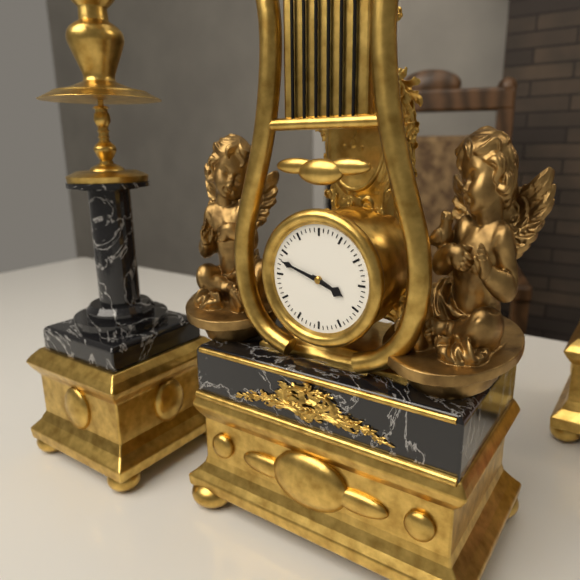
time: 3:48
